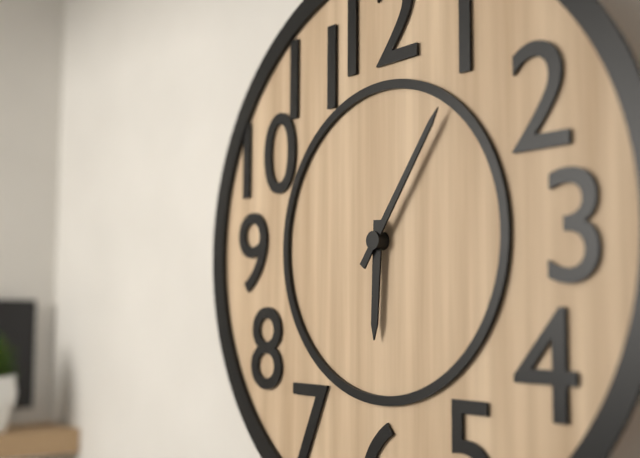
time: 6:06
